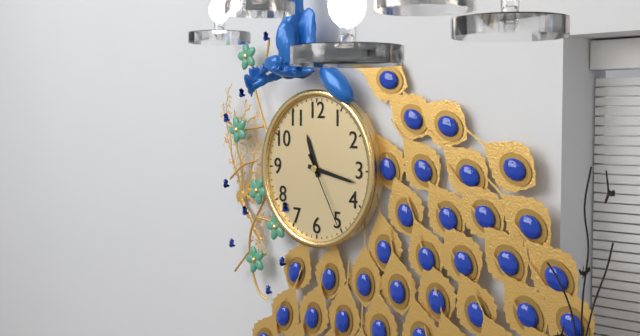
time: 11:17:25
